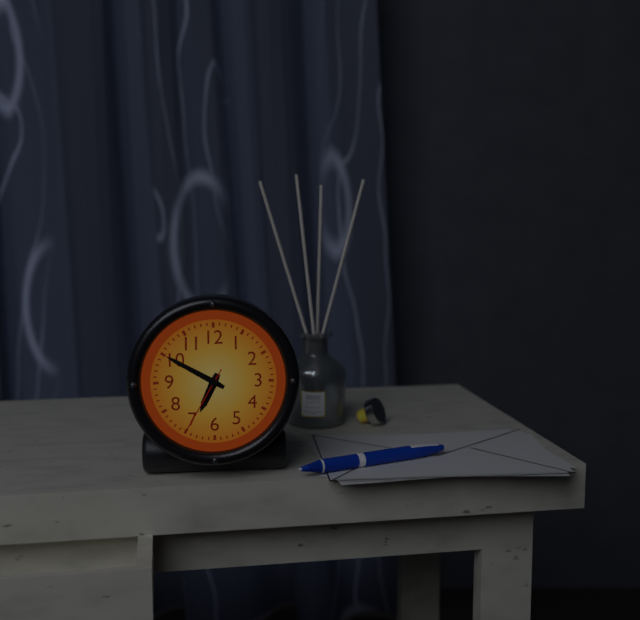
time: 6:50:35
